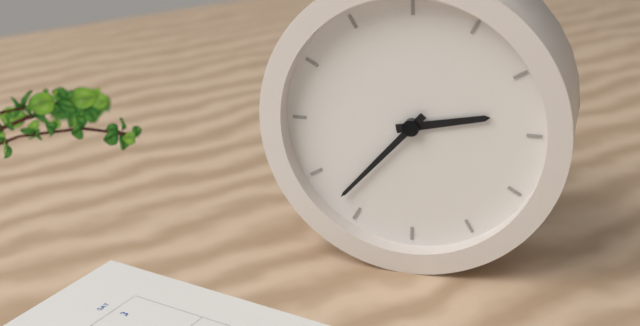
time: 2:37
